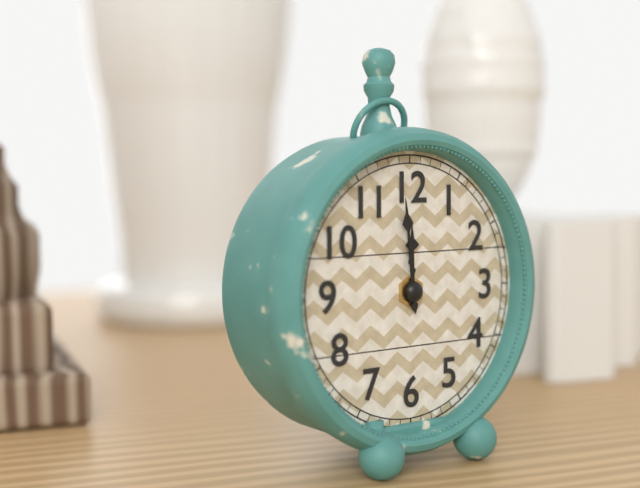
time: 11:59
